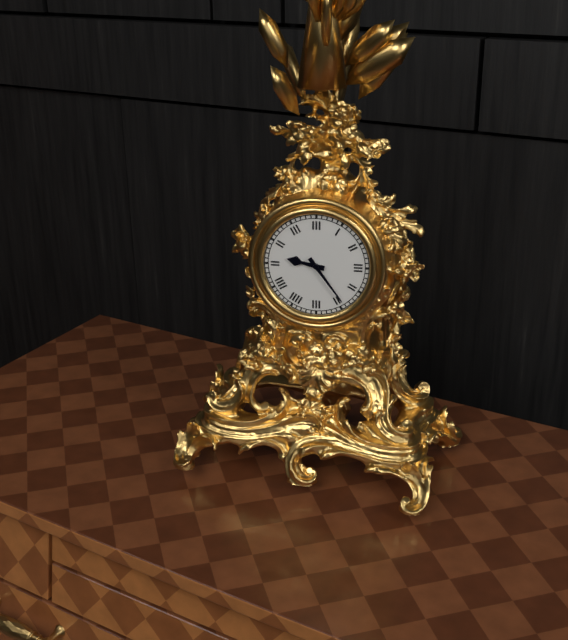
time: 9:24
